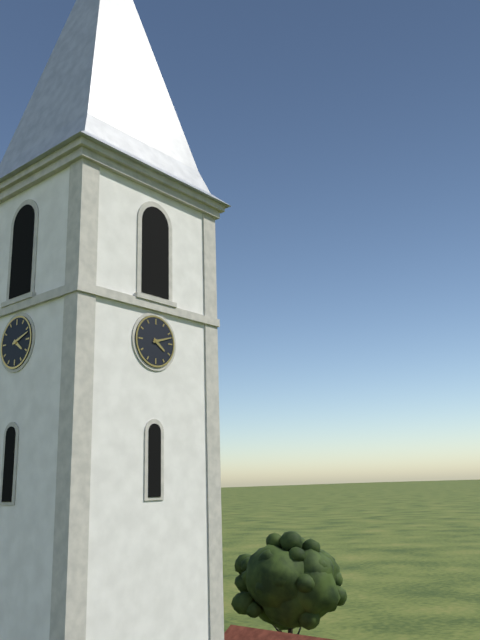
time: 4:12
